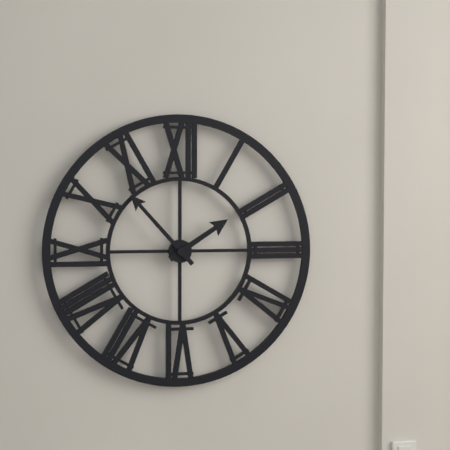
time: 1:53
